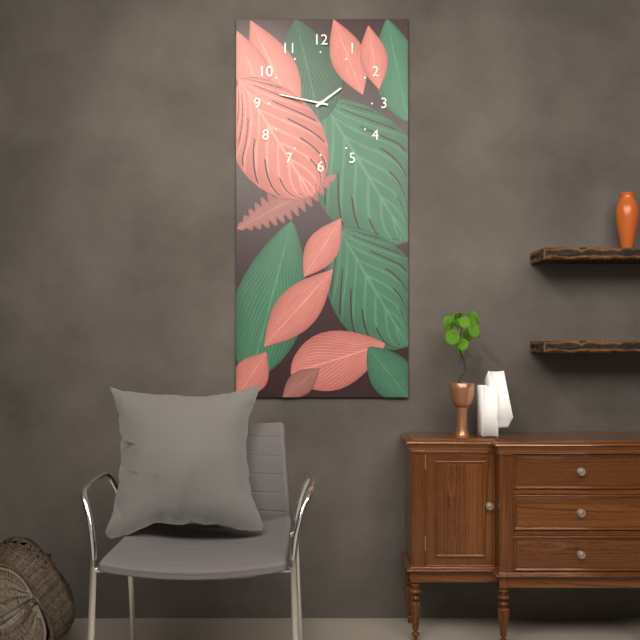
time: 1:47
